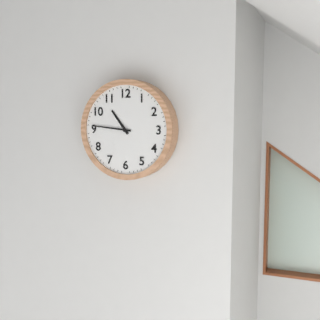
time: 10:46
